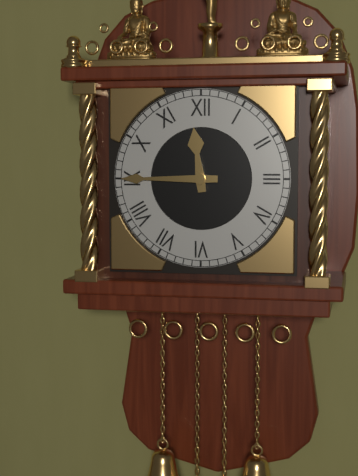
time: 11:45
